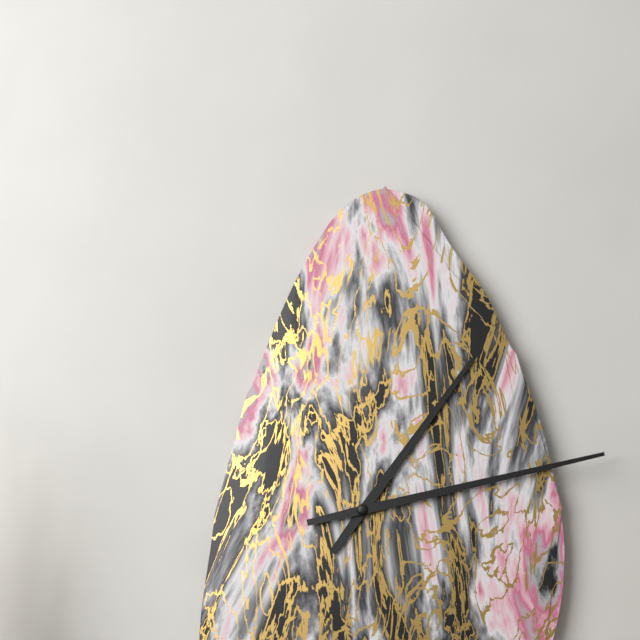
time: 1:13
